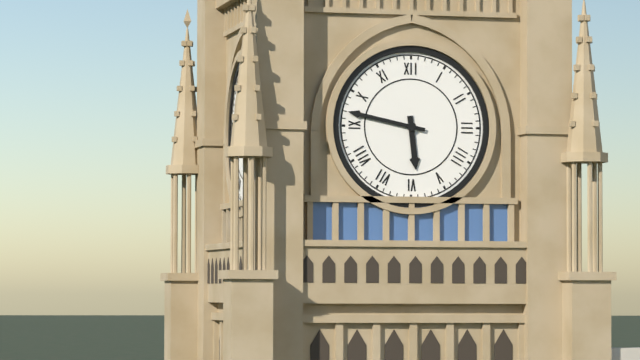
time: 5:47
